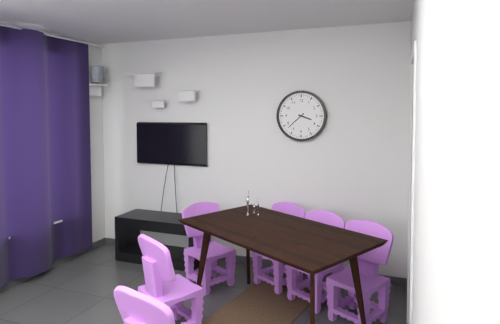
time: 3:38
